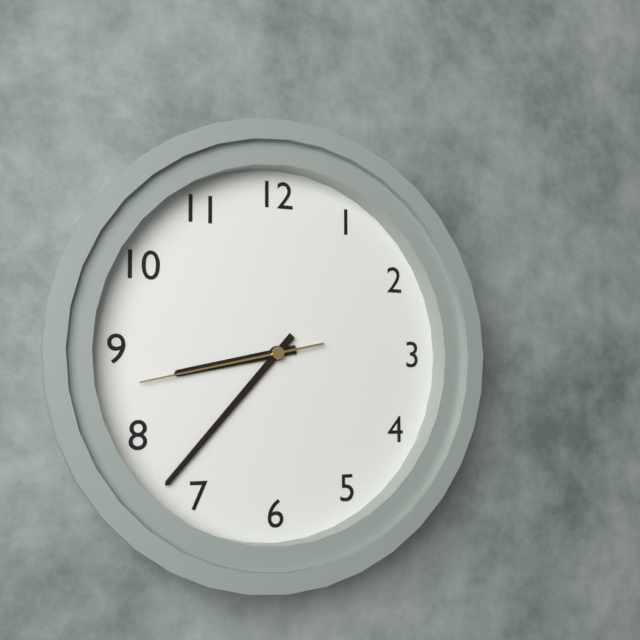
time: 8:37:43
